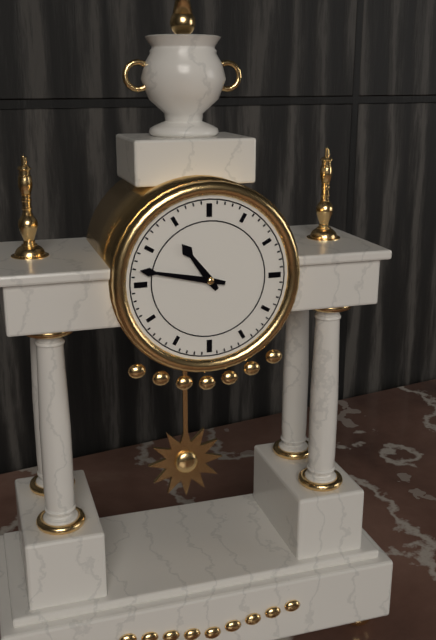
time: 10:47
